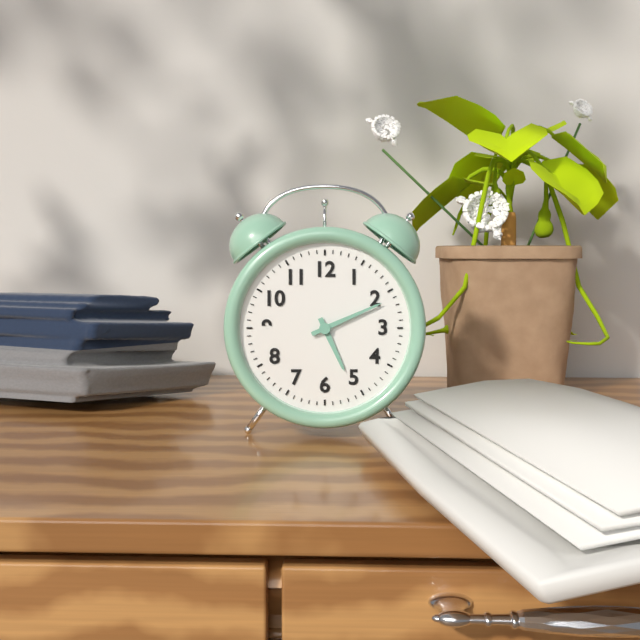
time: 5:11
